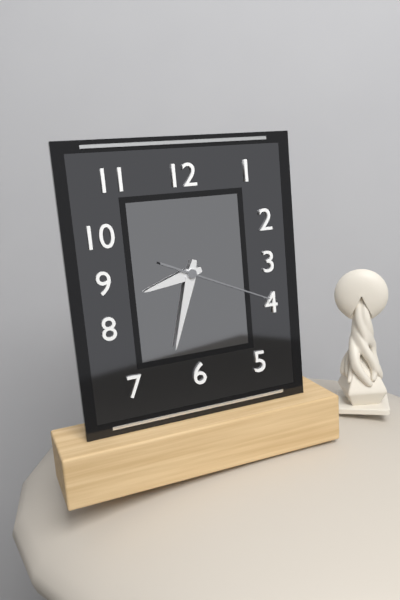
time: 8:33:19
